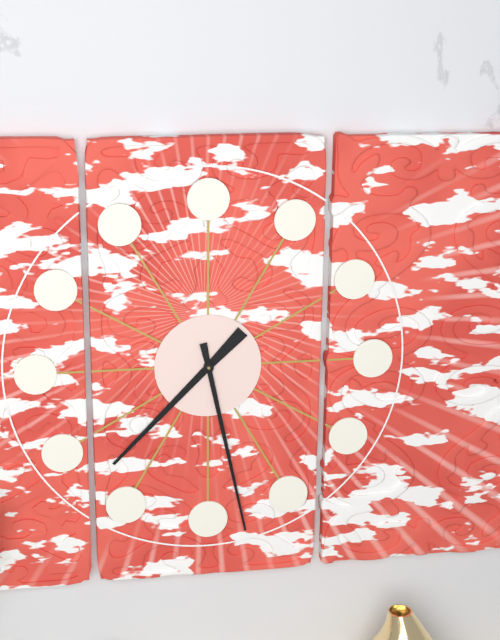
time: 7:28
